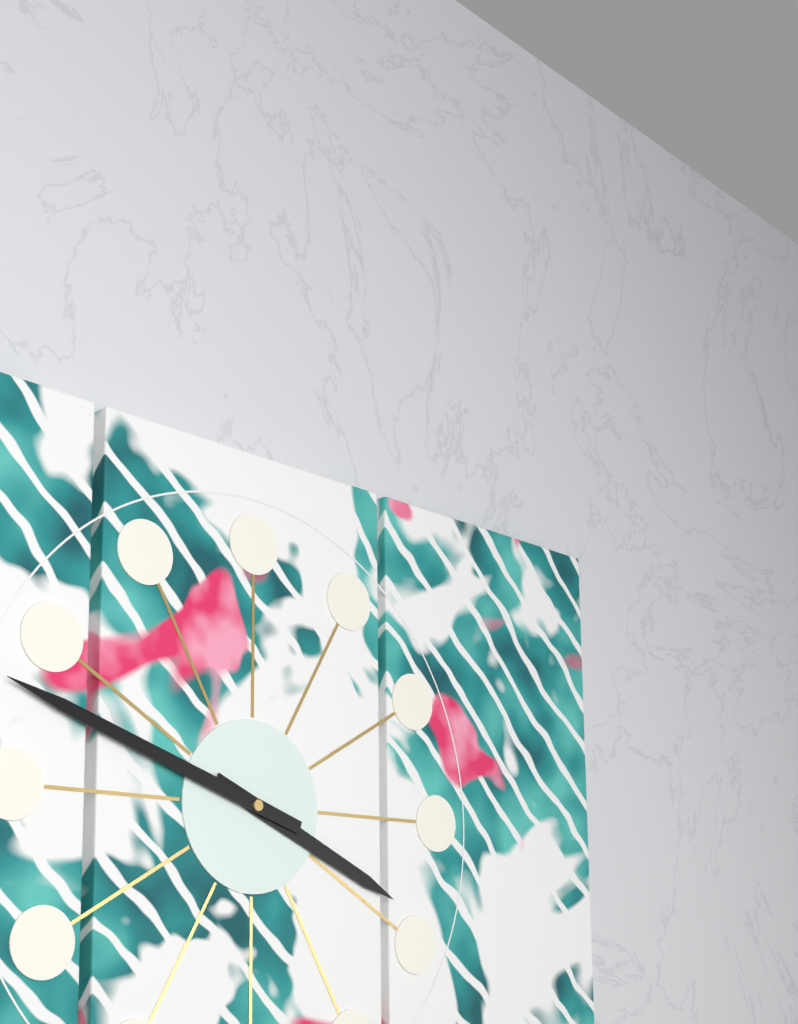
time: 3:48
